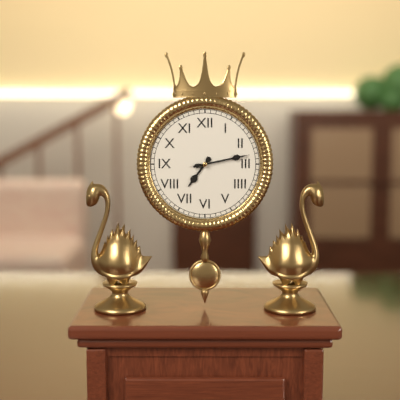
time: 7:13:13
